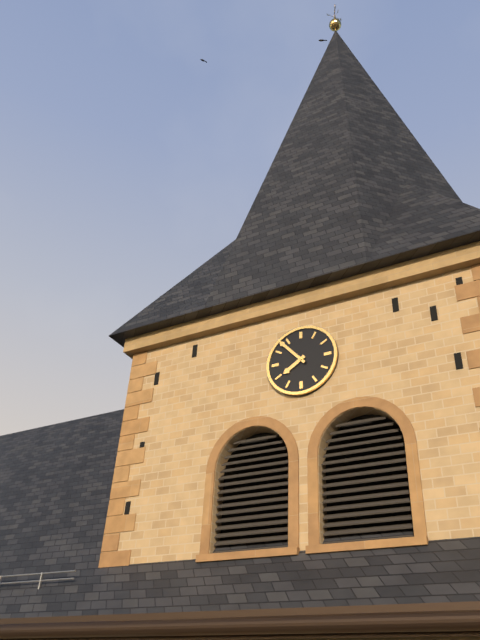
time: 7:53
